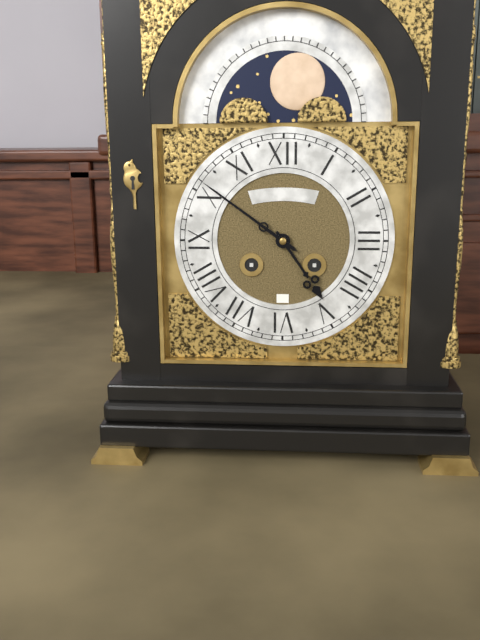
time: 4:51
